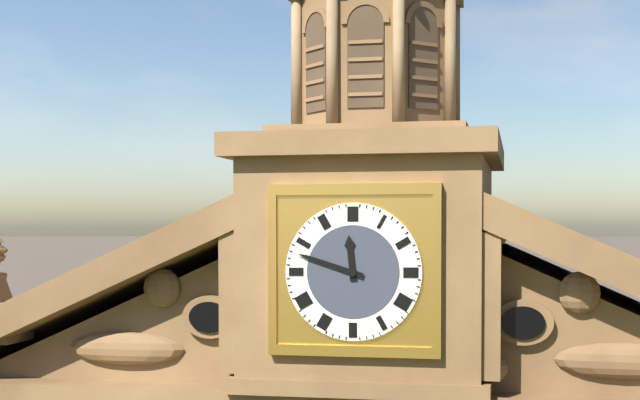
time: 11:48
